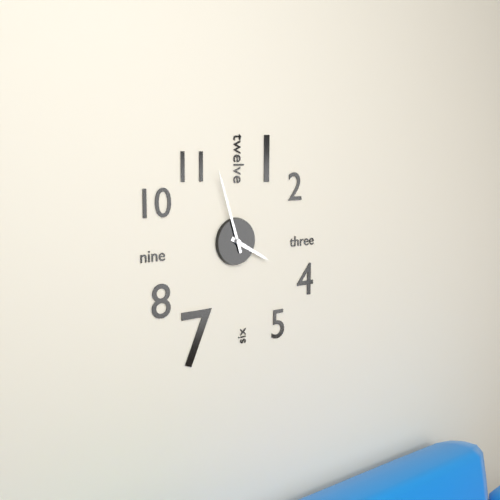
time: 3:57
